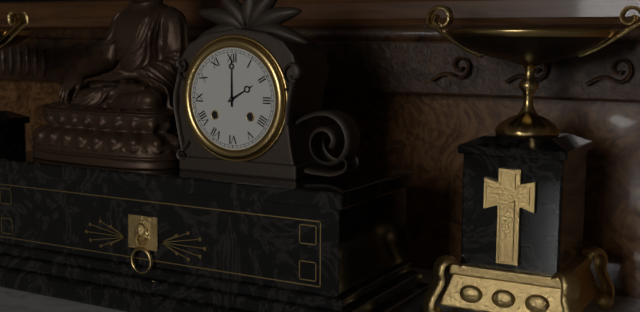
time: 2:00
